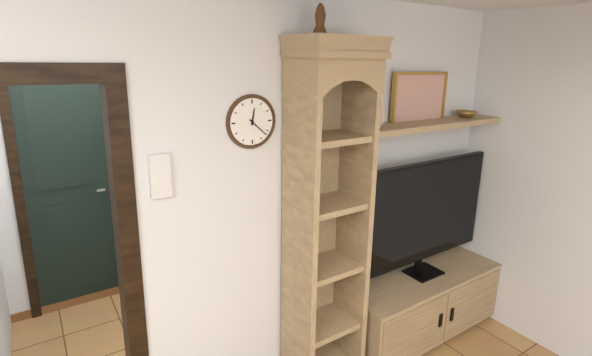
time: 12:22
